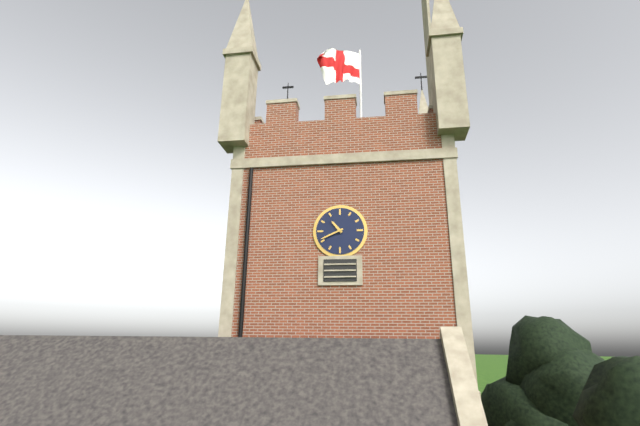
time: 10:41
